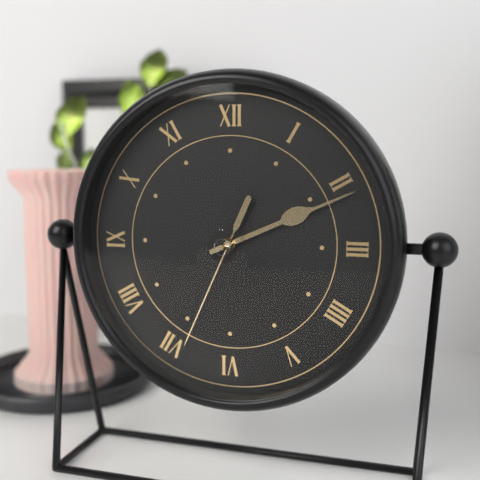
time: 2:11:34
